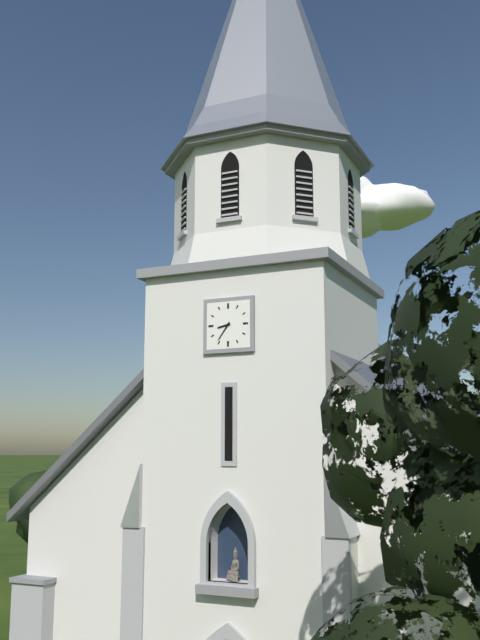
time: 8:36
